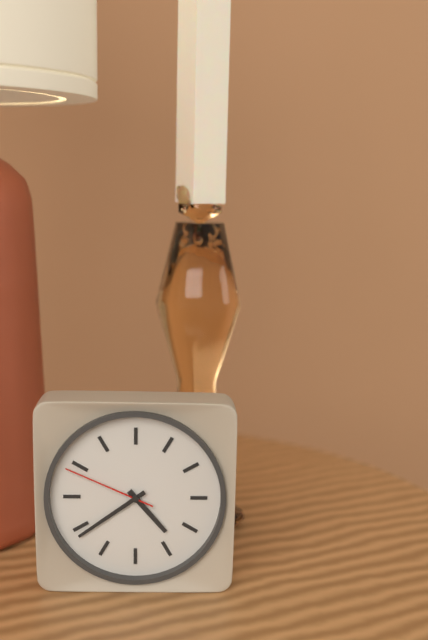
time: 4:39:49
